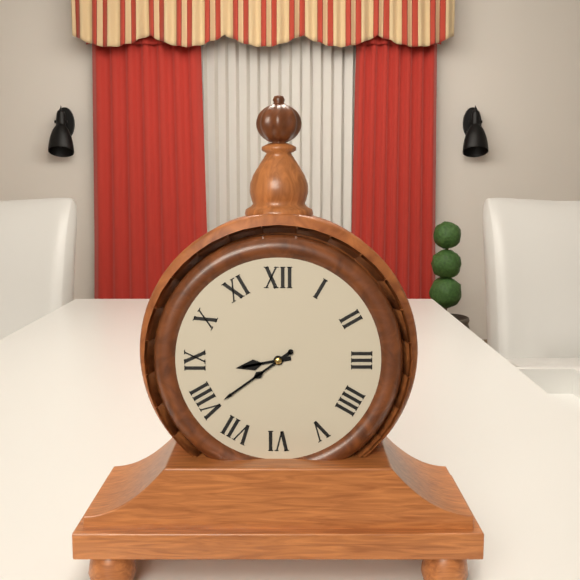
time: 8:39
